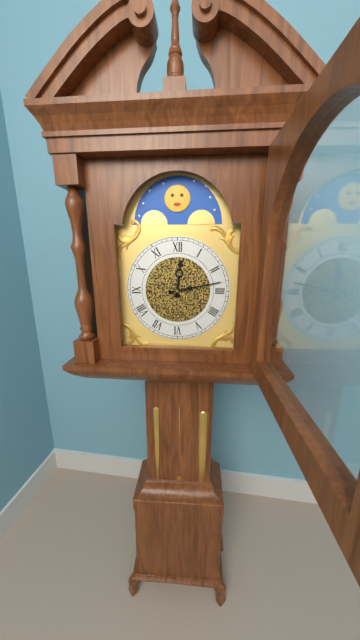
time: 12:13
